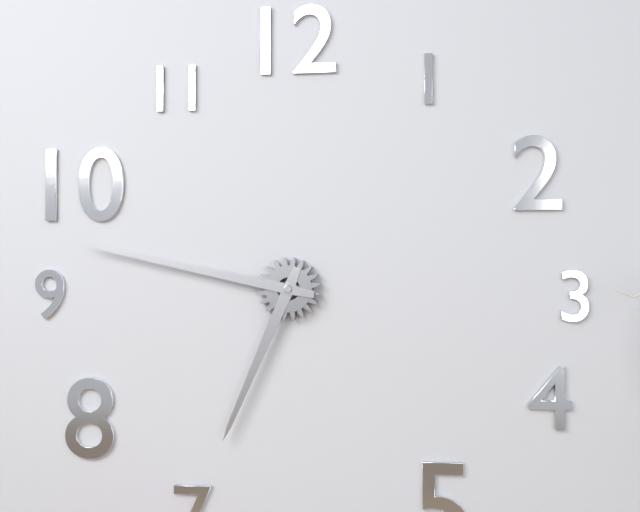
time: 6:47
